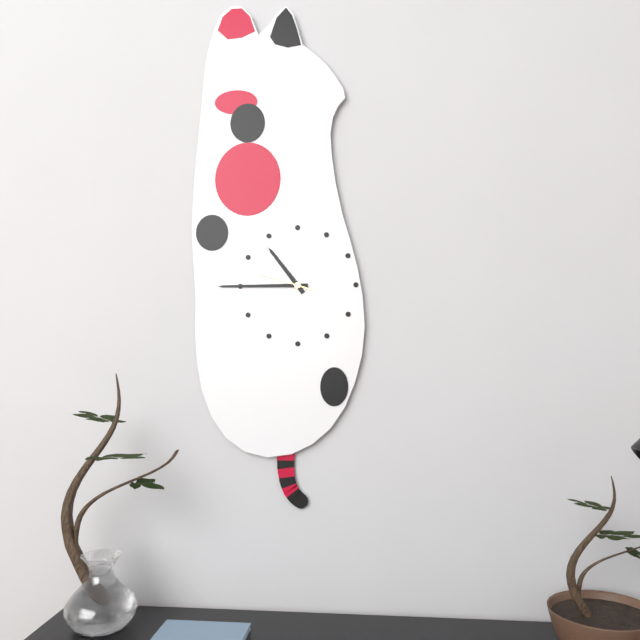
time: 10:45:48
